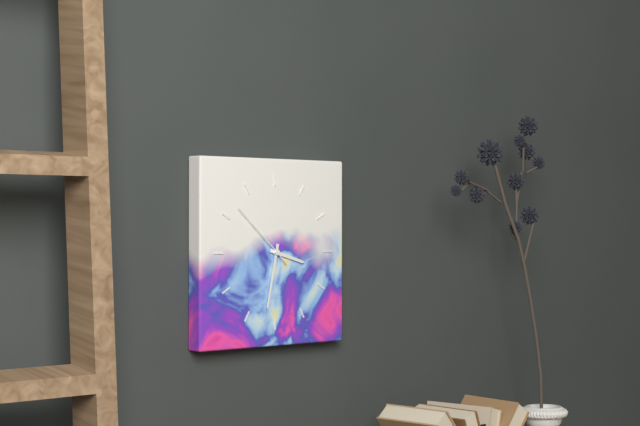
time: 3:32:52
